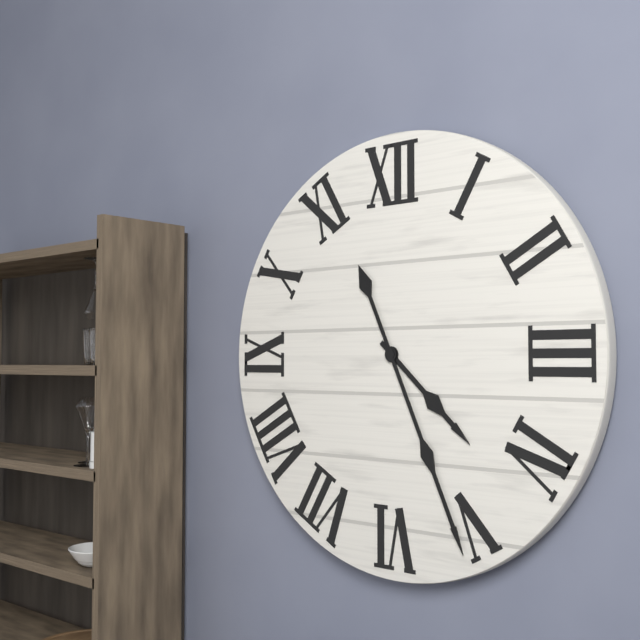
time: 4:26
